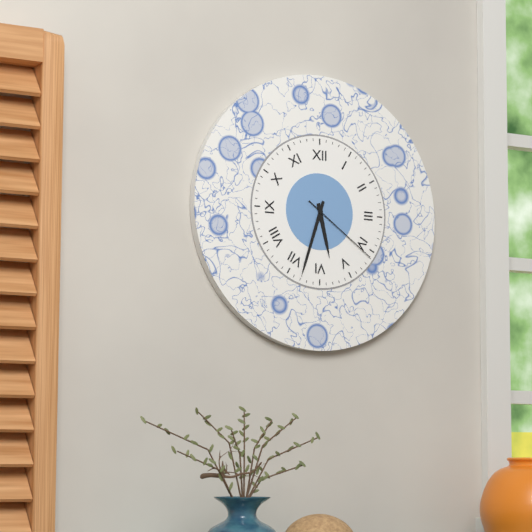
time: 5:33:21
